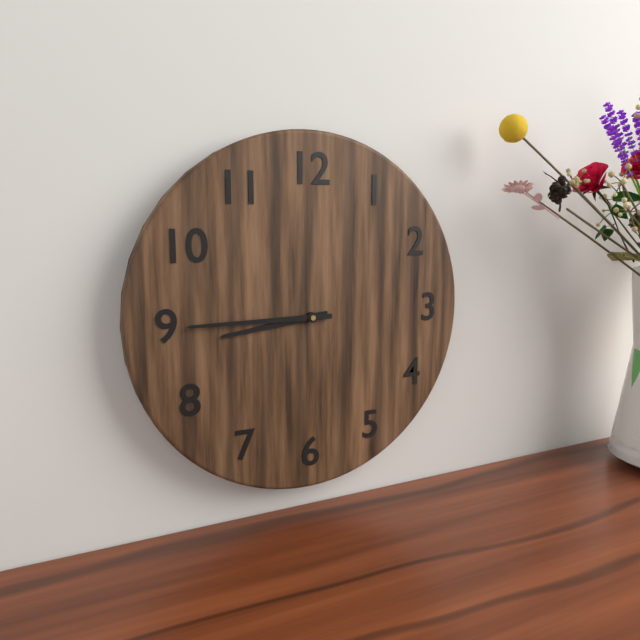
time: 8:45
